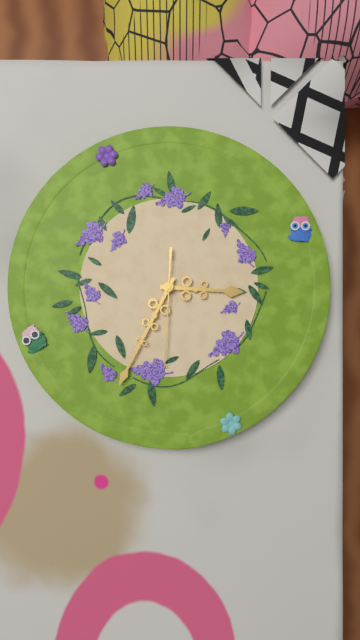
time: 3:37:33
